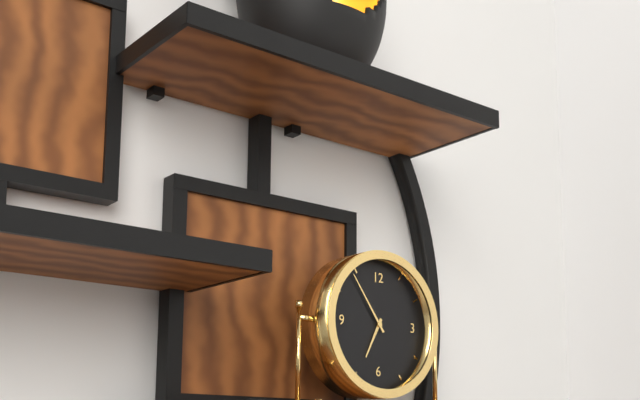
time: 6:54
